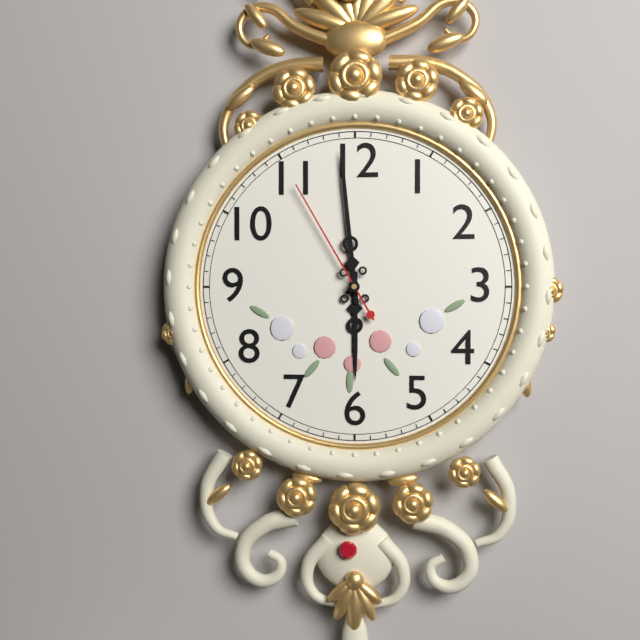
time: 5:59:55
